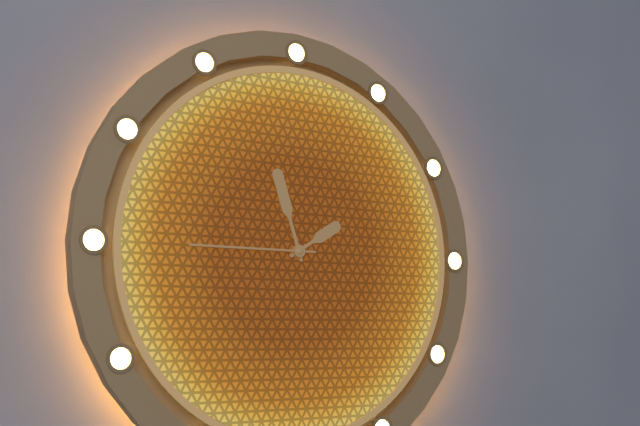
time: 1:57:45
